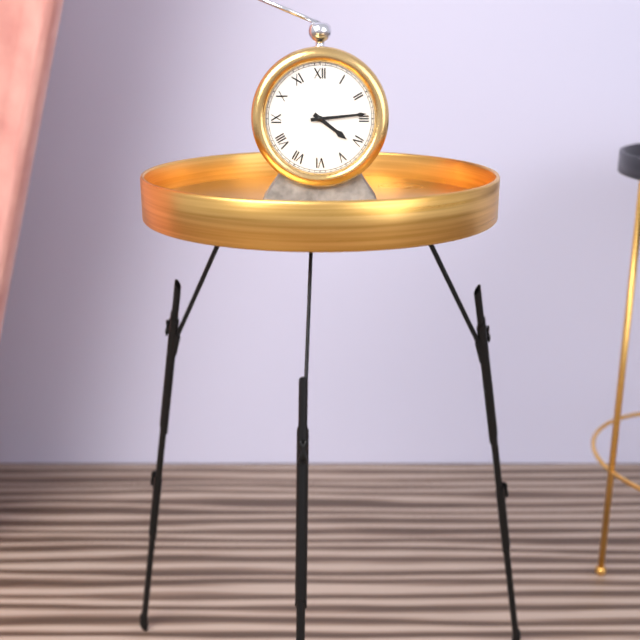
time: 4:14
